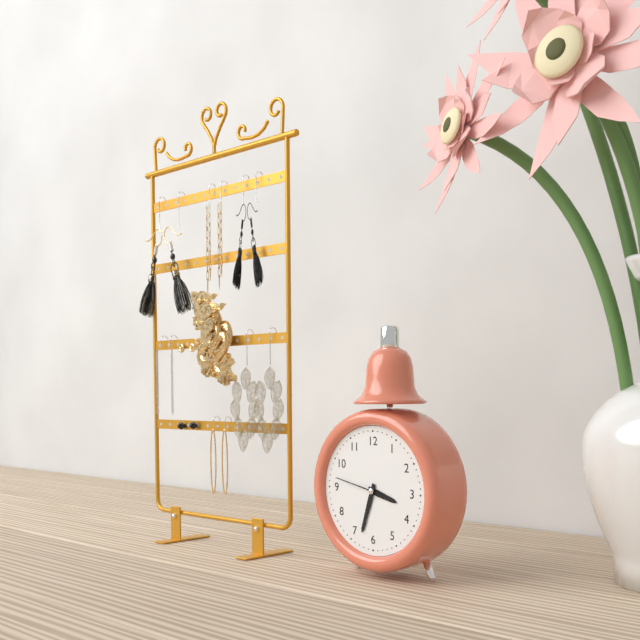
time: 3:33
